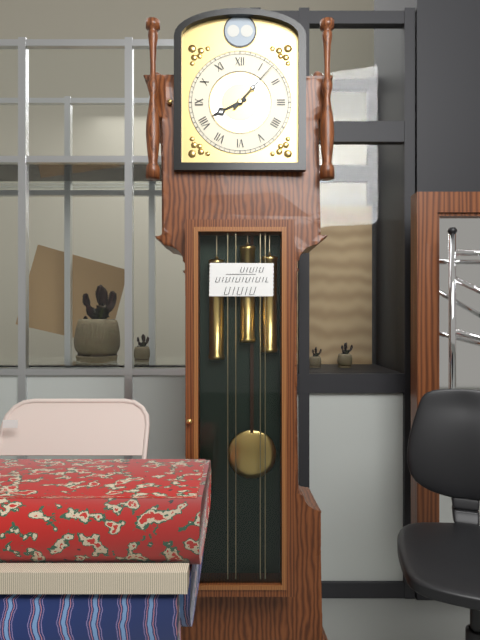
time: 8:07
